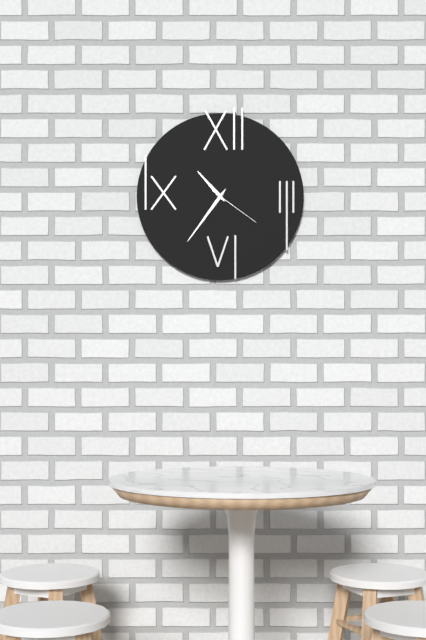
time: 10:36:21
